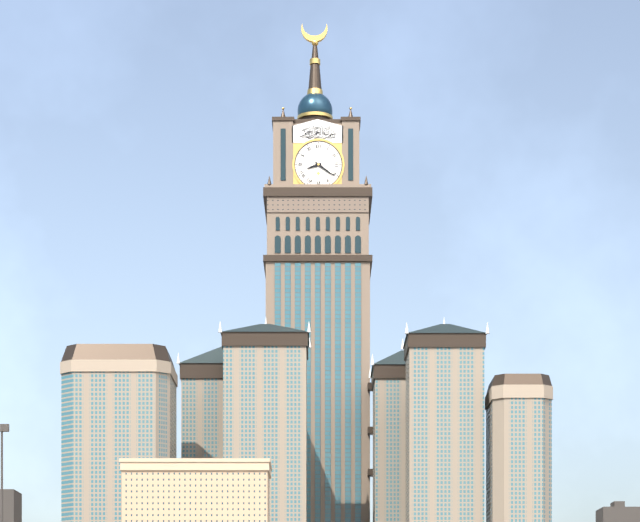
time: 8:21
